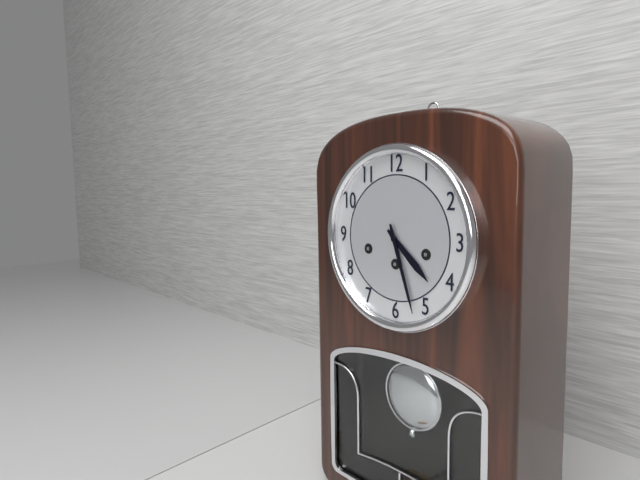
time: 4:27
